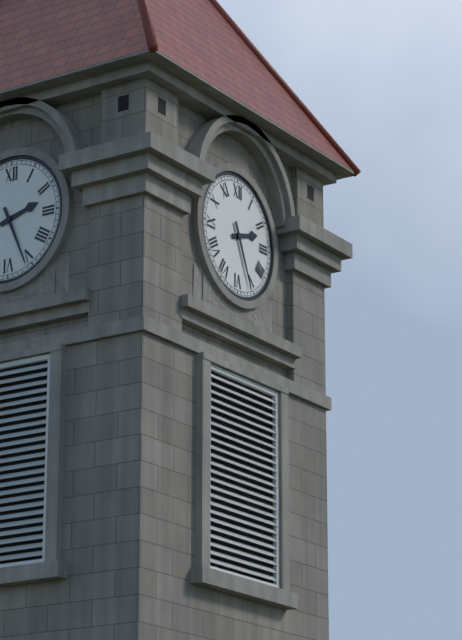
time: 2:26
